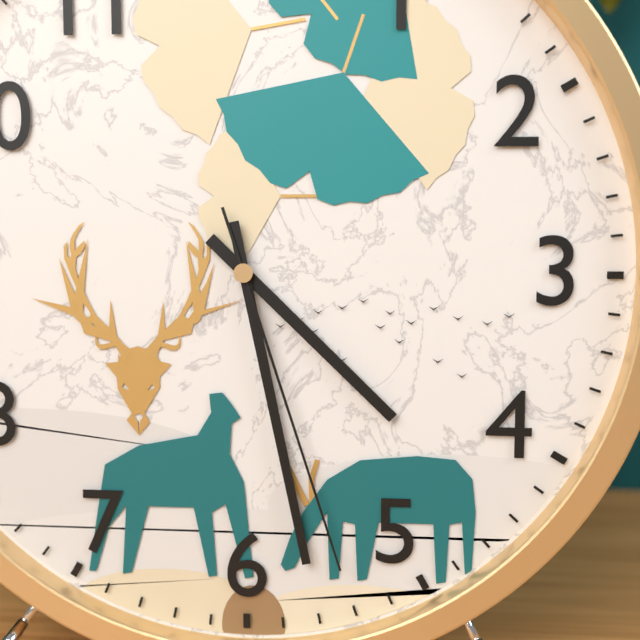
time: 4:28:27
